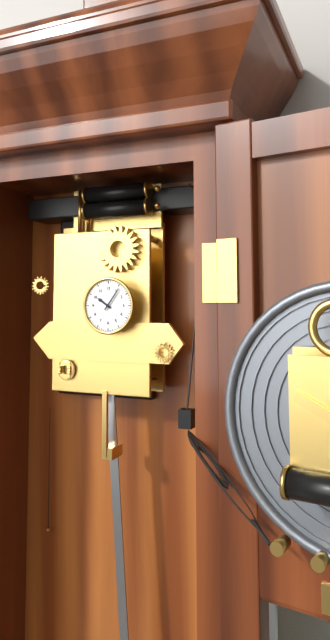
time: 10:06
